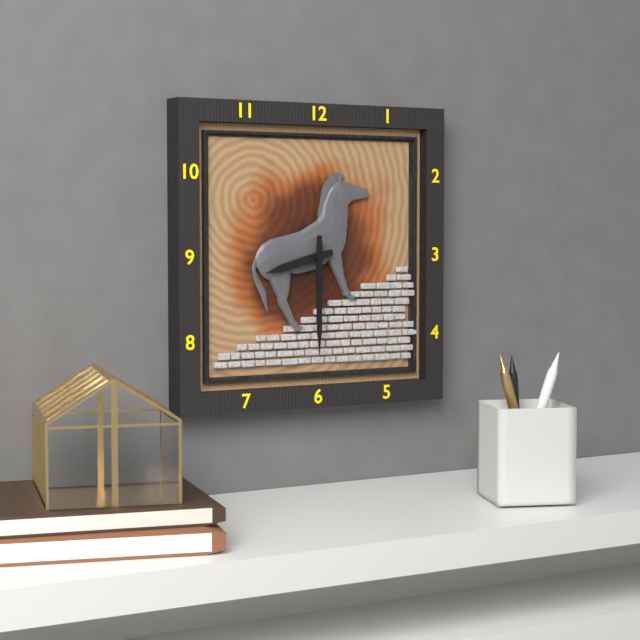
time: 8:30
